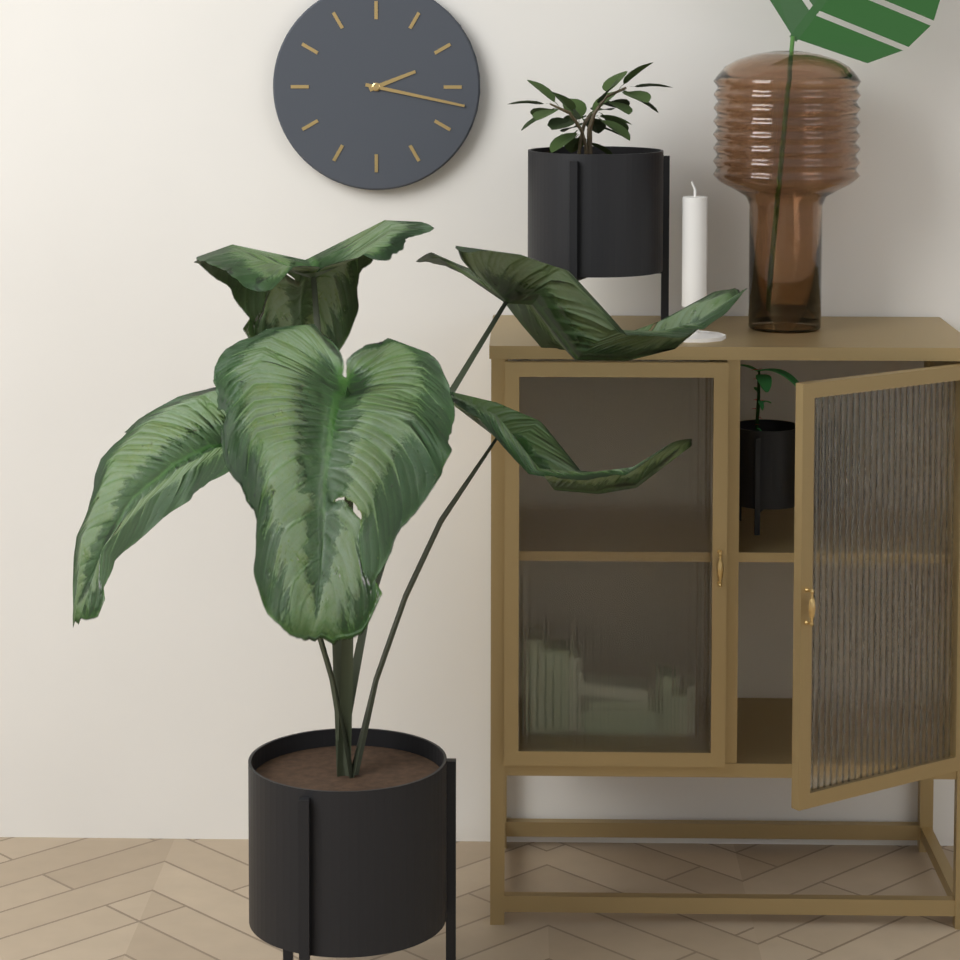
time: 2:17
